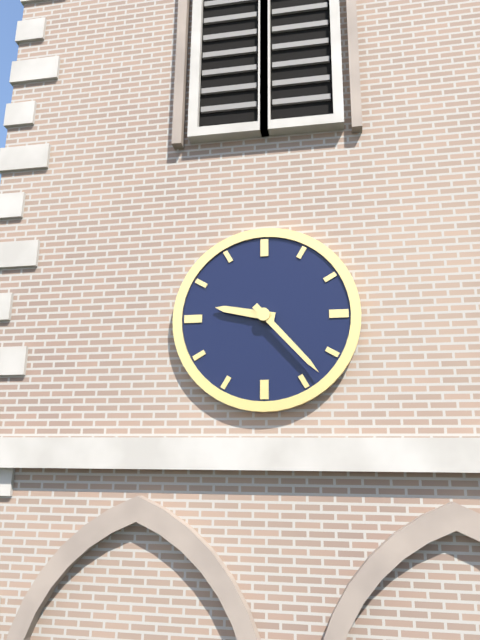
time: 9:23
